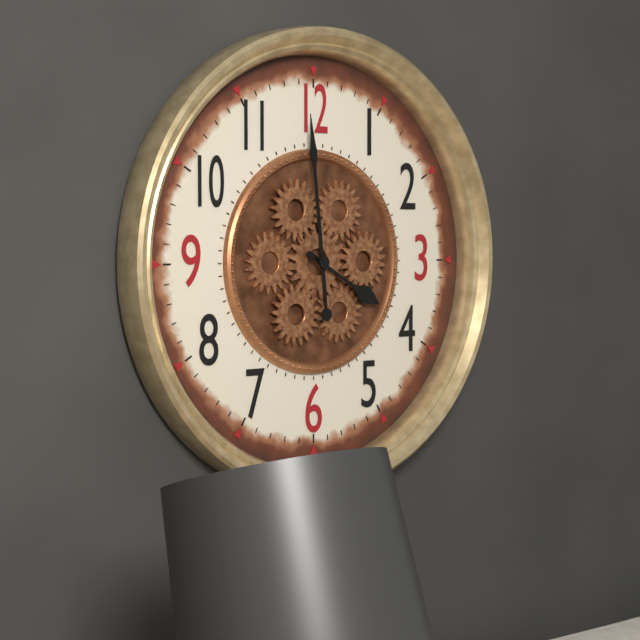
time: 3:59
